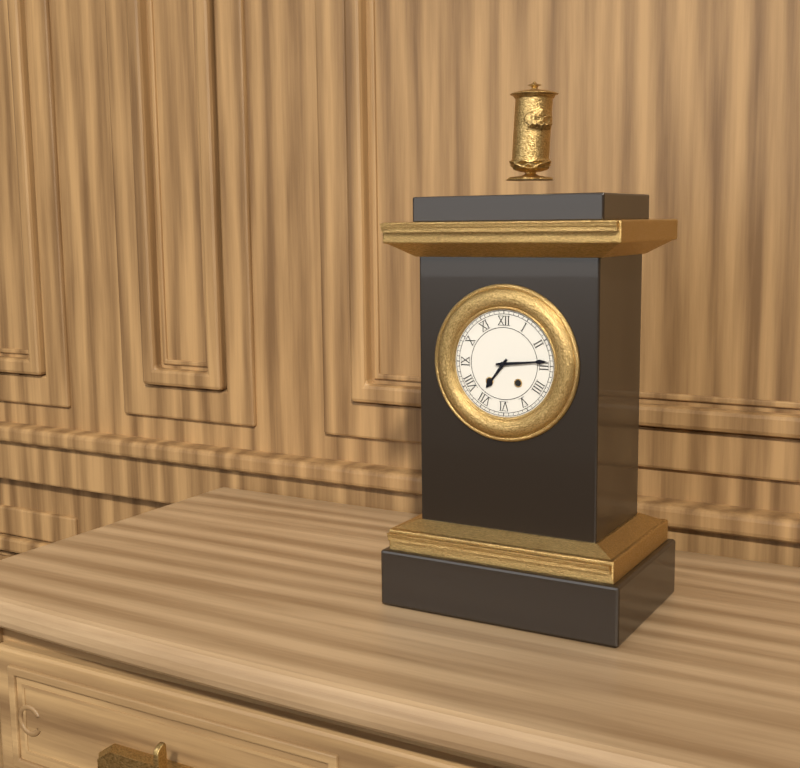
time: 7:14
